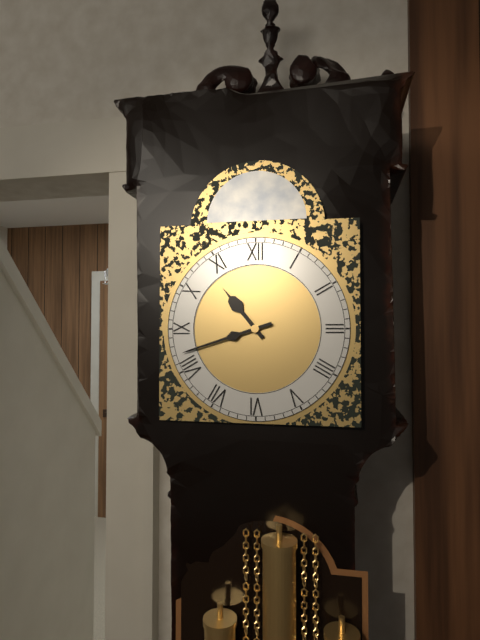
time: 10:42
